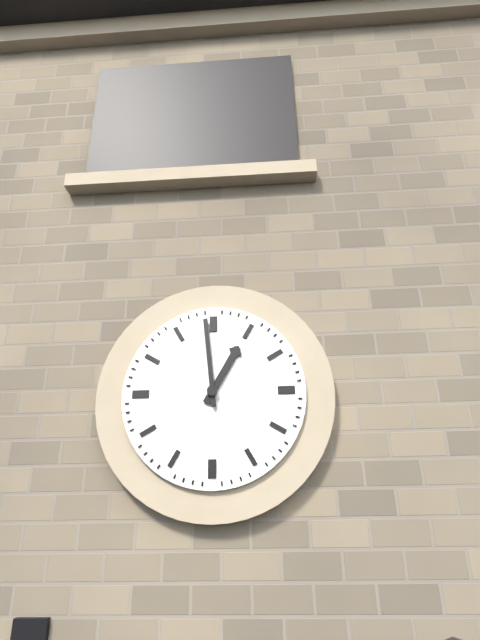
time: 12:59
